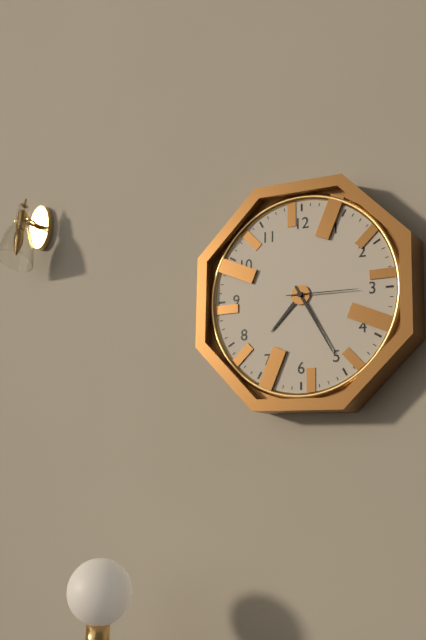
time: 7:25:15
